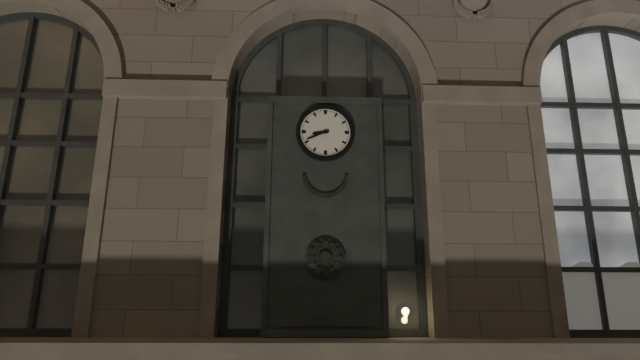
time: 8:41
